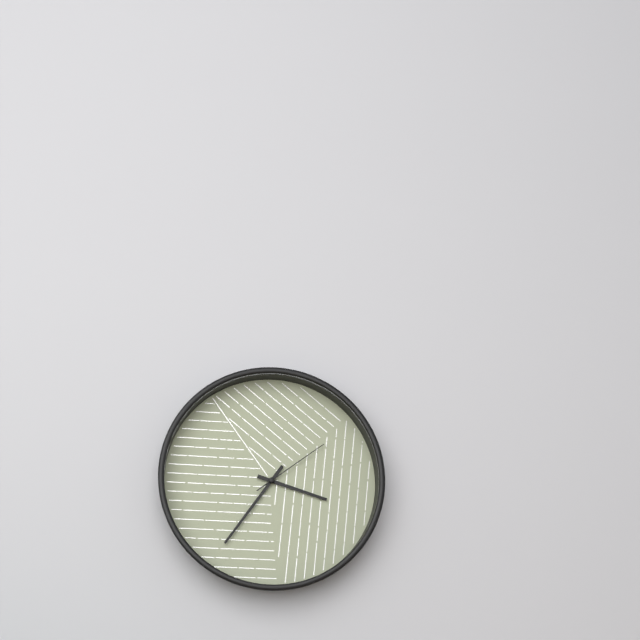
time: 3:36:09
